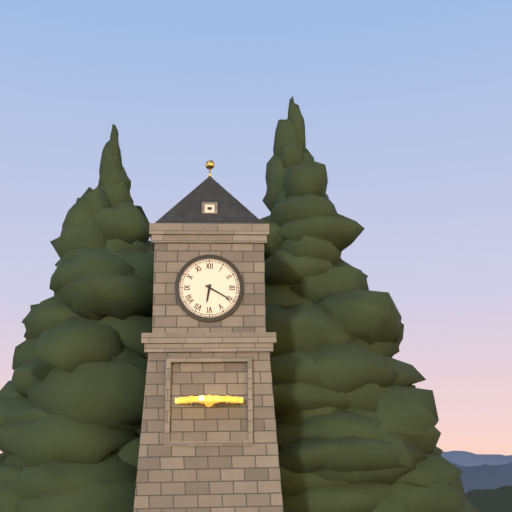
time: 6:20
